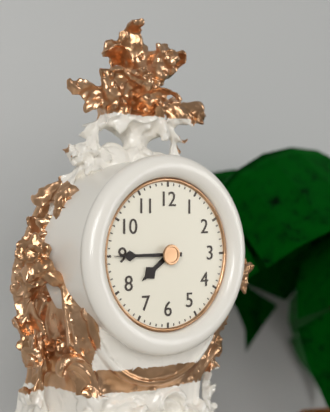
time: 7:45
